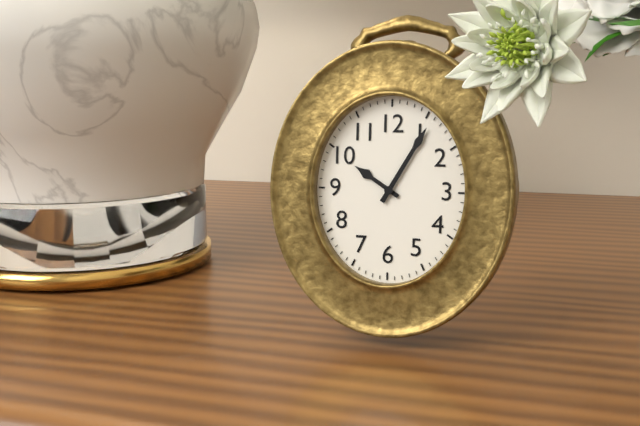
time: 10:05
